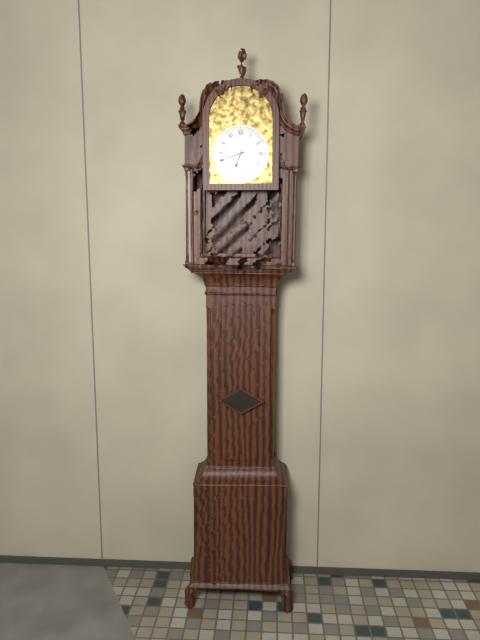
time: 6:42
